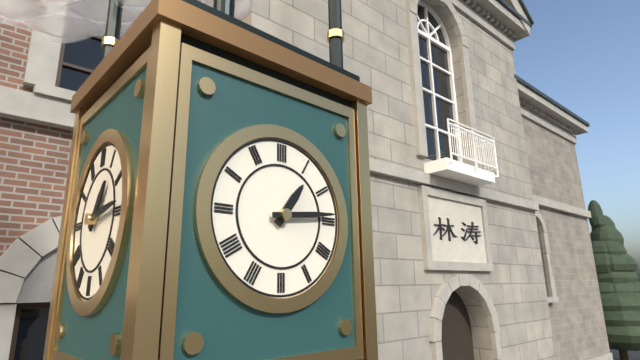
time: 1:14
